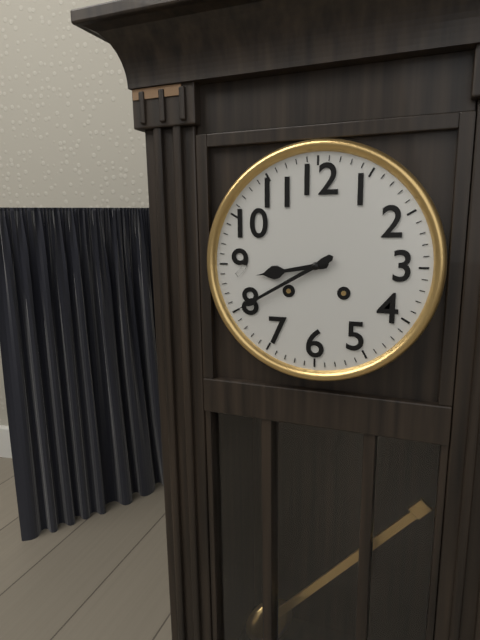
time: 8:40
